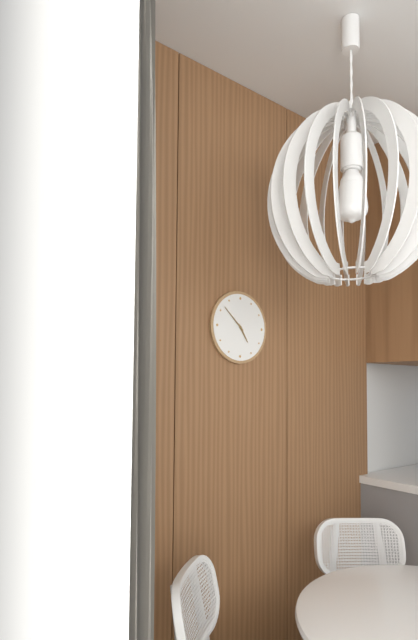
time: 4:52
